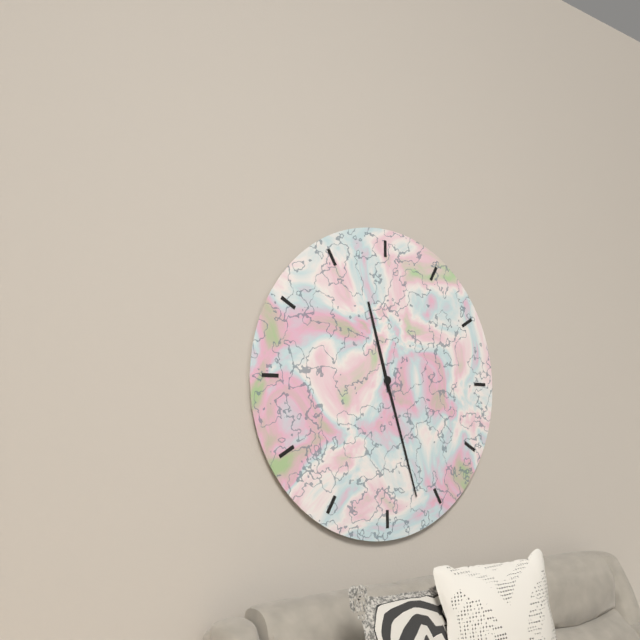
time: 11:27
